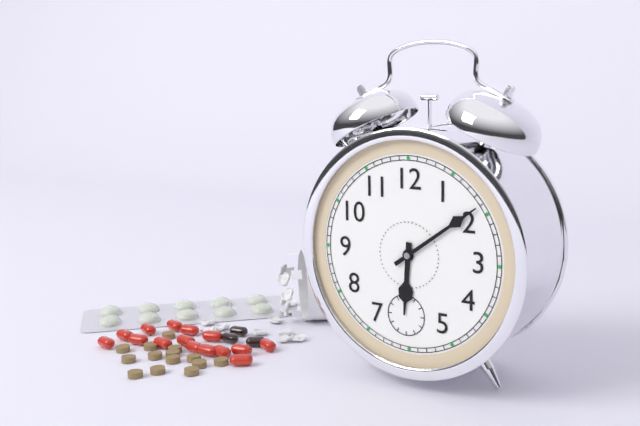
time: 6:09
